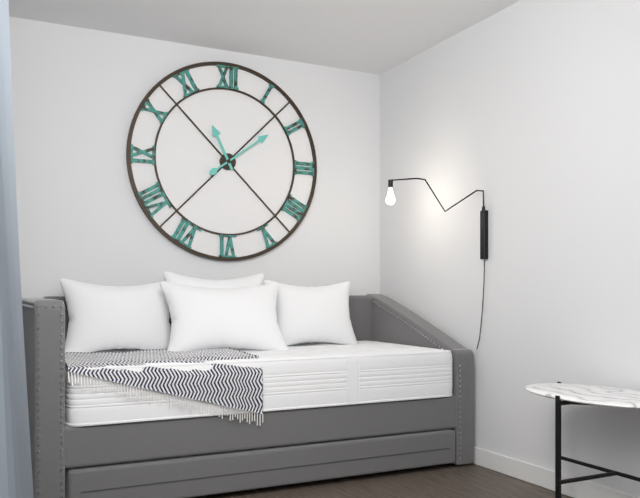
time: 11:09
